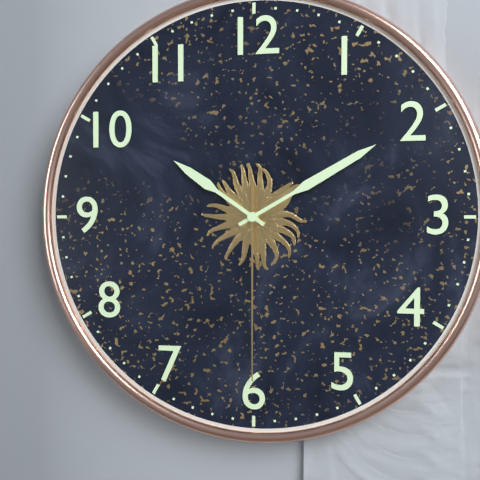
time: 10:10:30
